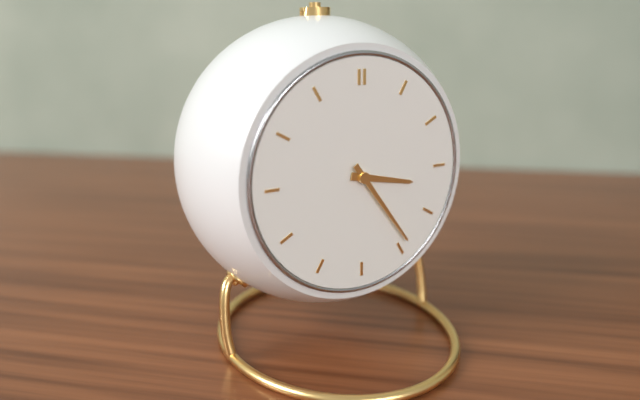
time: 3:24
